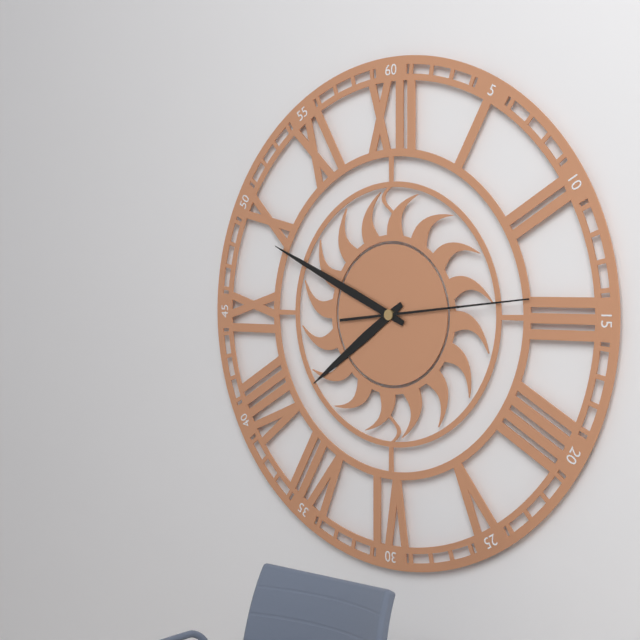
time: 7:49:14
